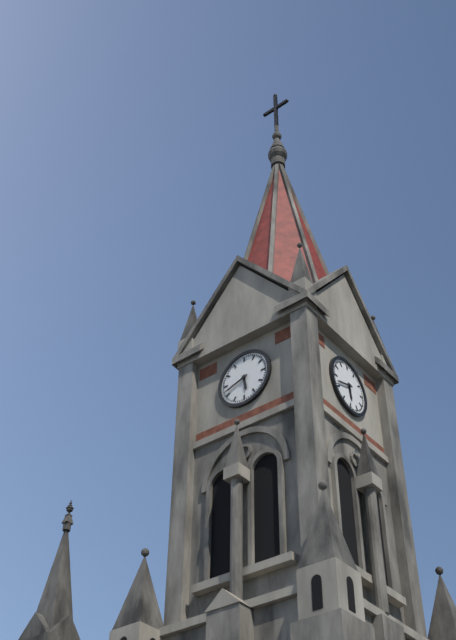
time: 5:42
